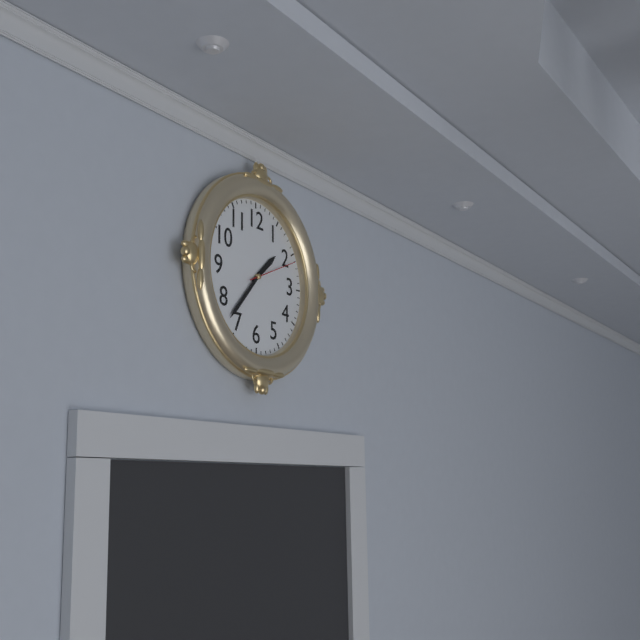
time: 1:37
